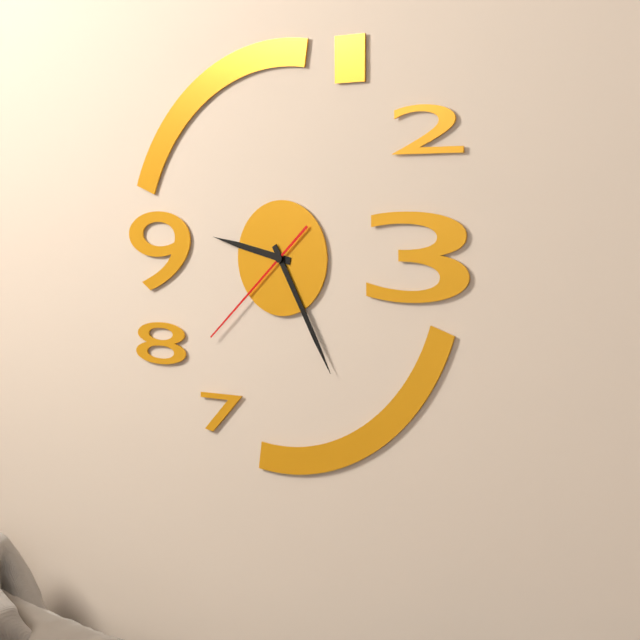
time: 9:25:38
